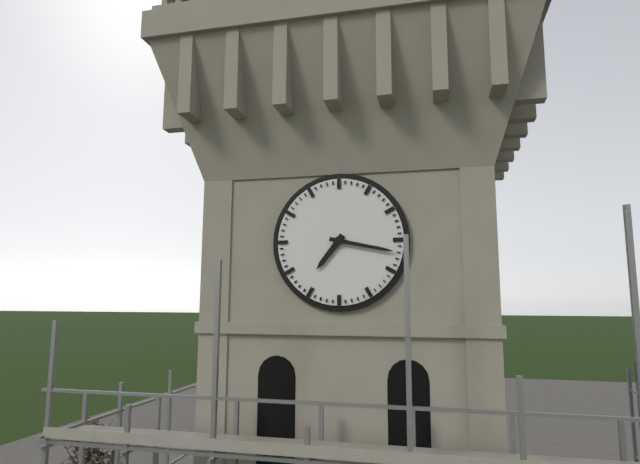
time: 7:17
